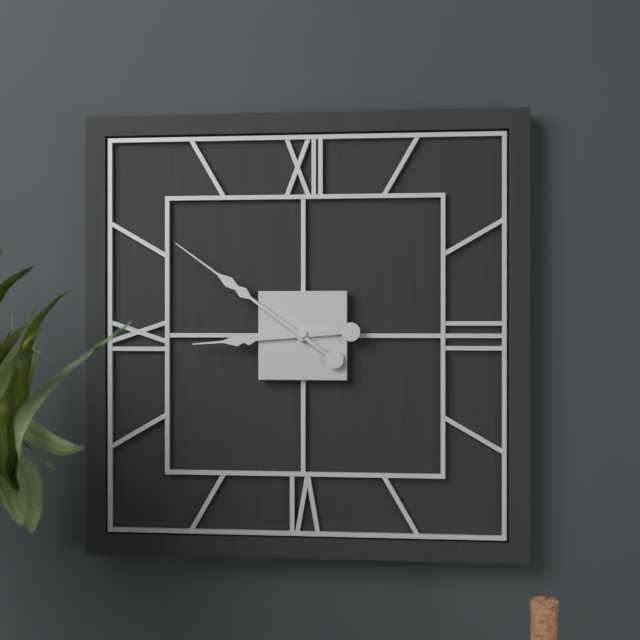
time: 8:51
